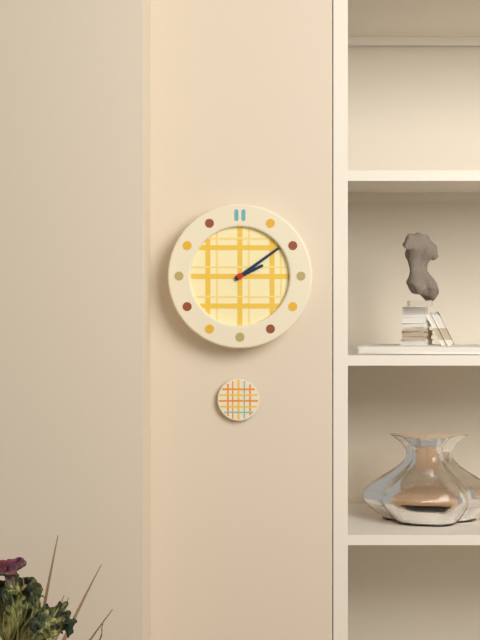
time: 2:09
